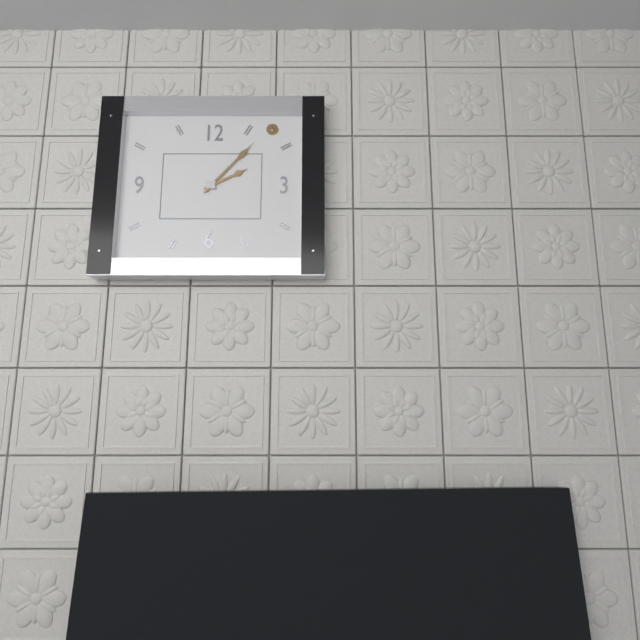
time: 2:07
